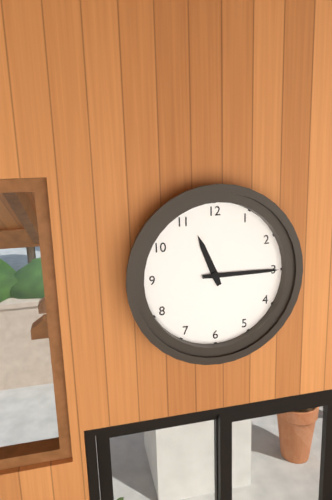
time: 11:15
